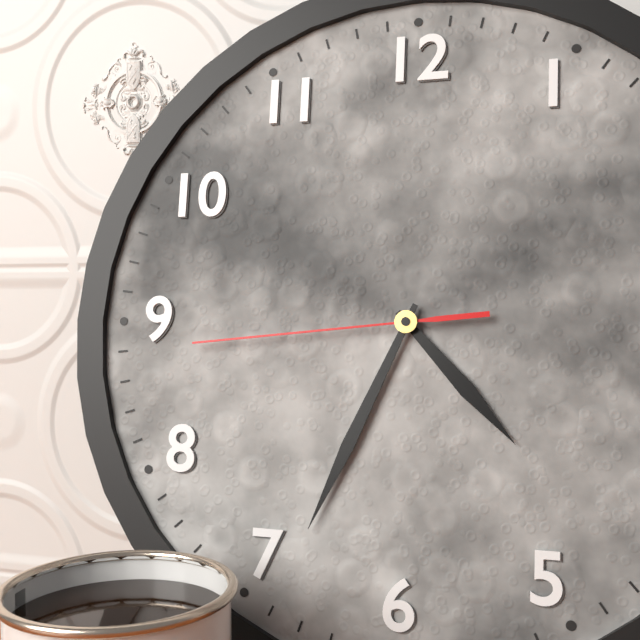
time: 4:34:44
